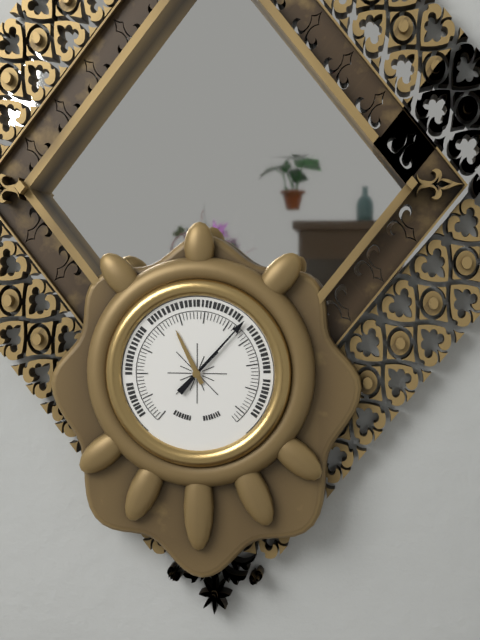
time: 11:07
